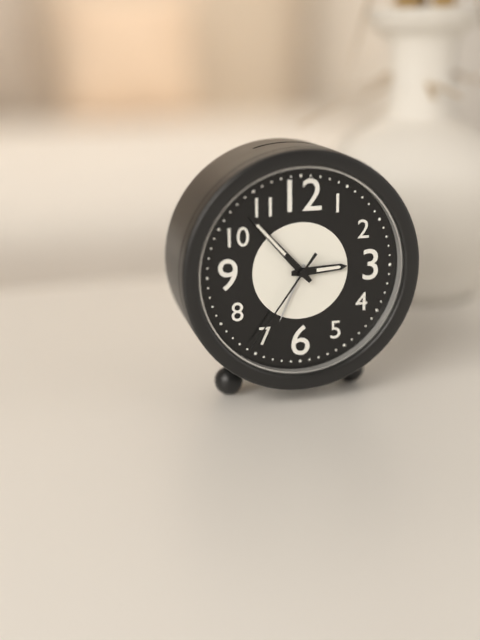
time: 2:53:36
